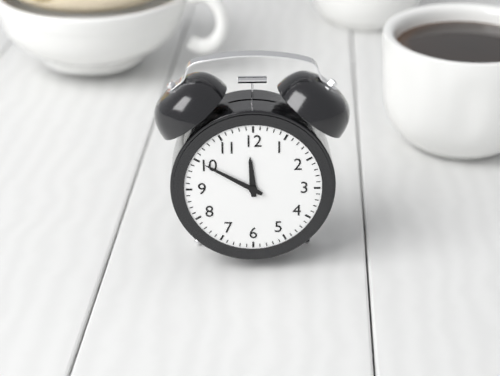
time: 11:50
